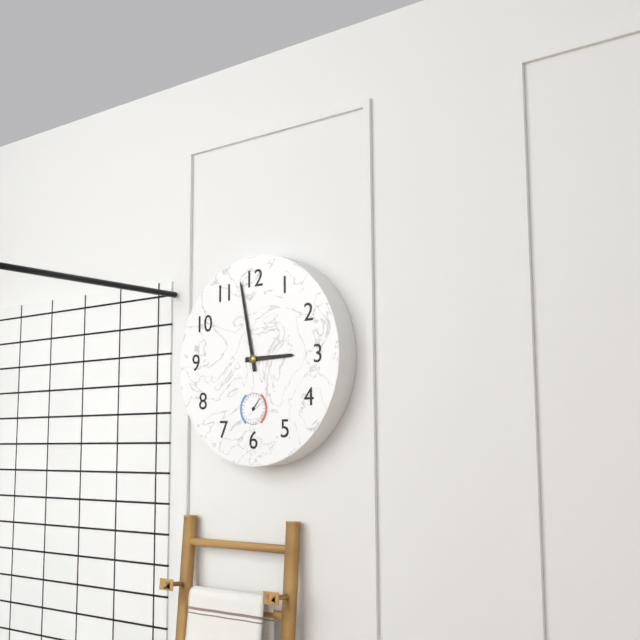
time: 2:58
